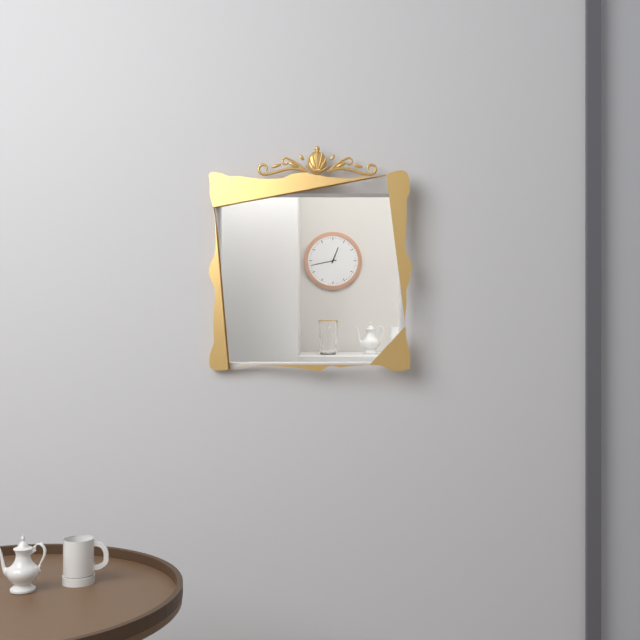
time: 12:43
